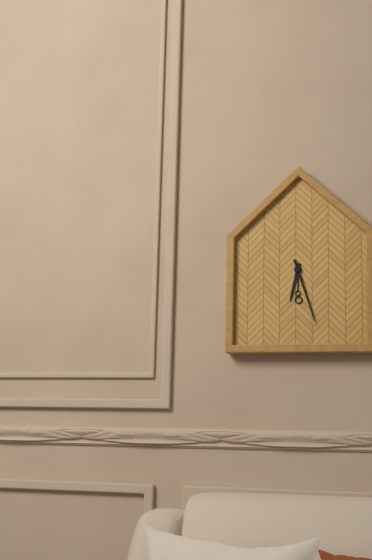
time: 6:27
